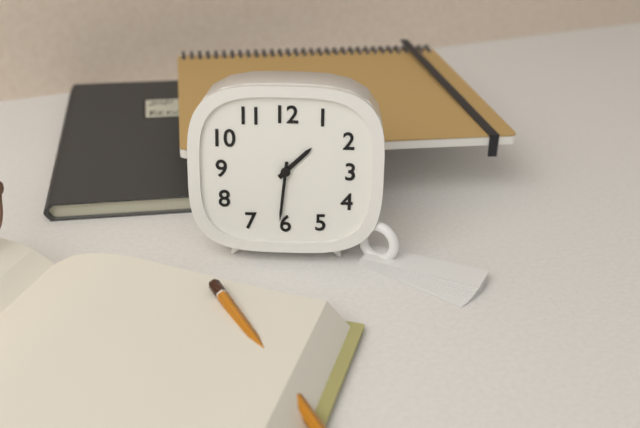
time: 1:31
